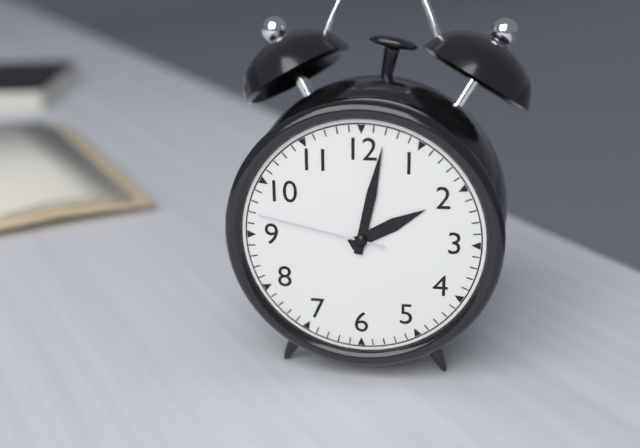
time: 2:02:47
